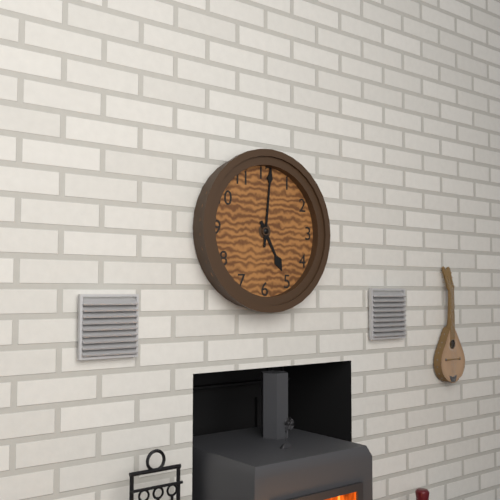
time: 5:01
